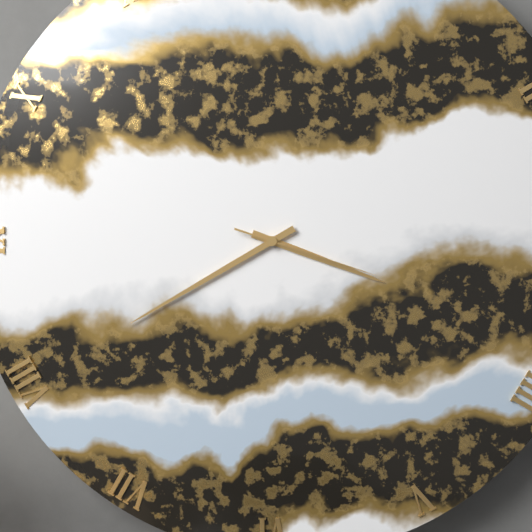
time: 3:40:18
